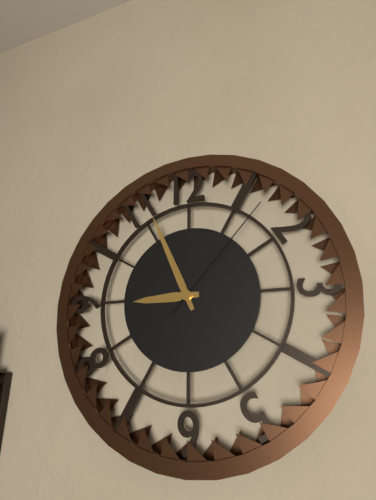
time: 8:56:07
